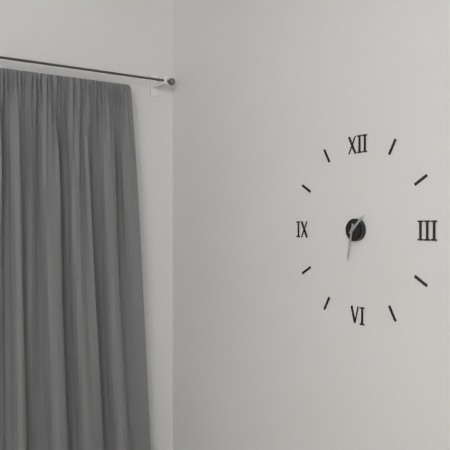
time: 1:32
